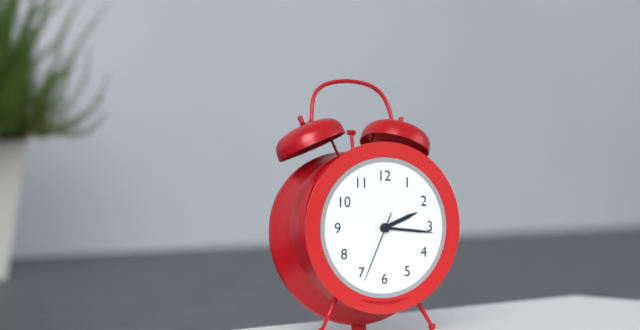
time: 2:16:34
